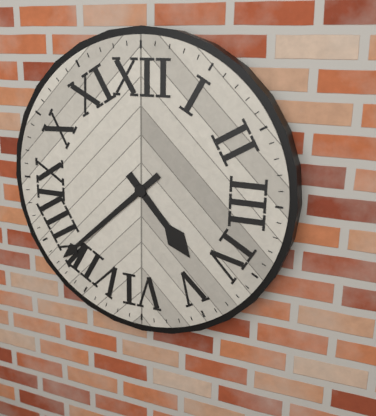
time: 4:38
